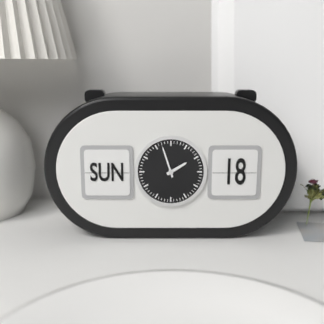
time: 1:57
